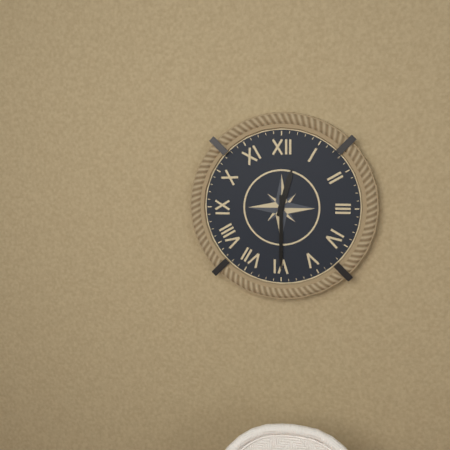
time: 12:30
